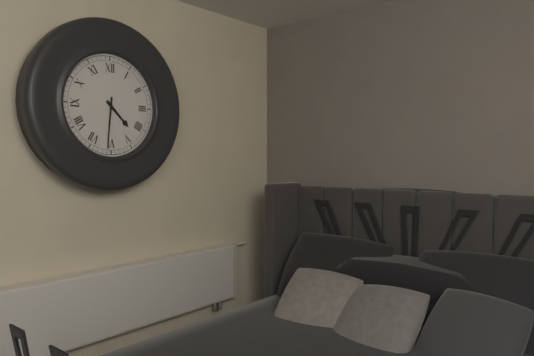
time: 4:31
